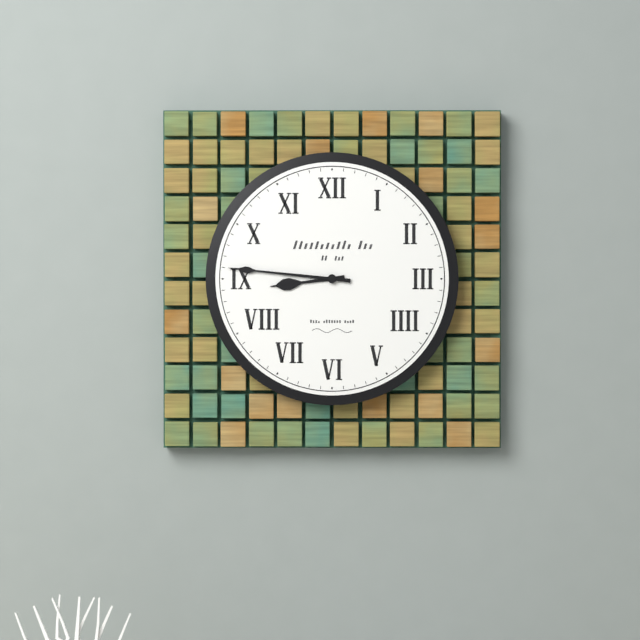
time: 8:46
